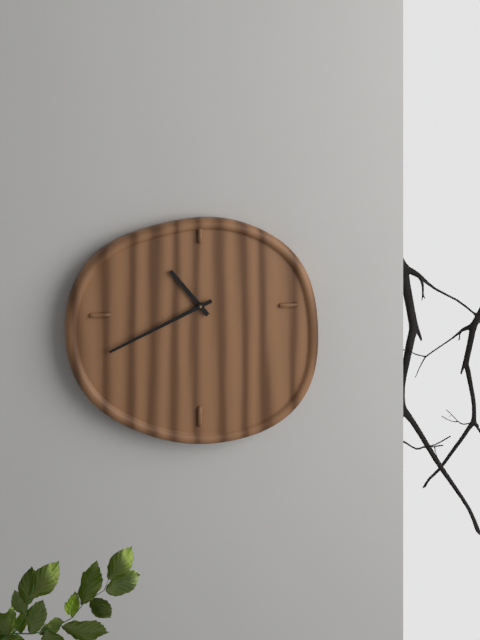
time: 10:41
